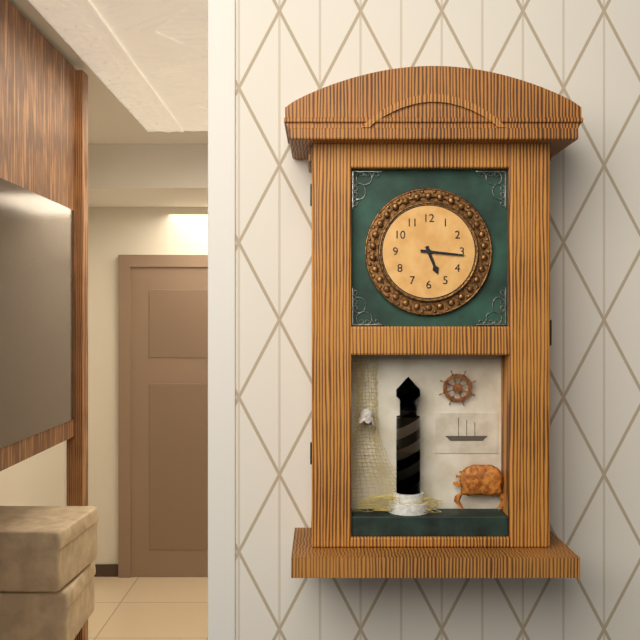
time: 5:16
